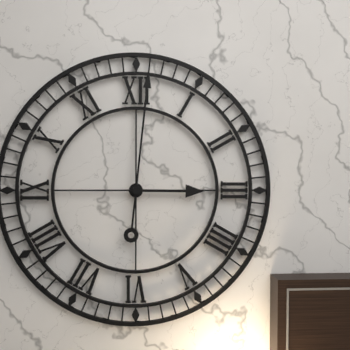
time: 3:01
